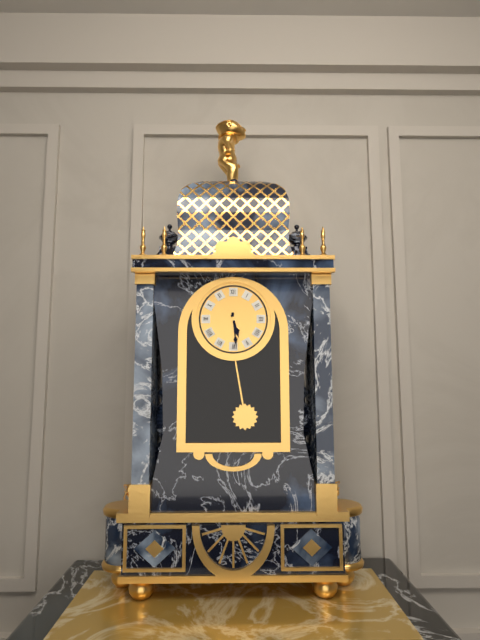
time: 5:29
